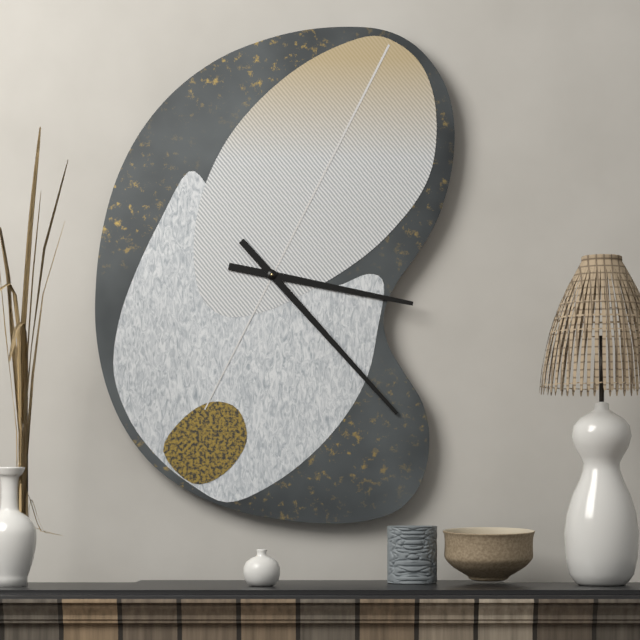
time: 3:23
